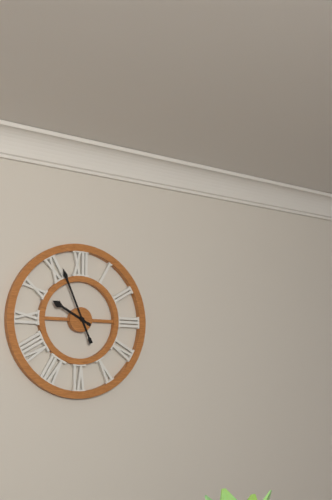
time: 9:56
